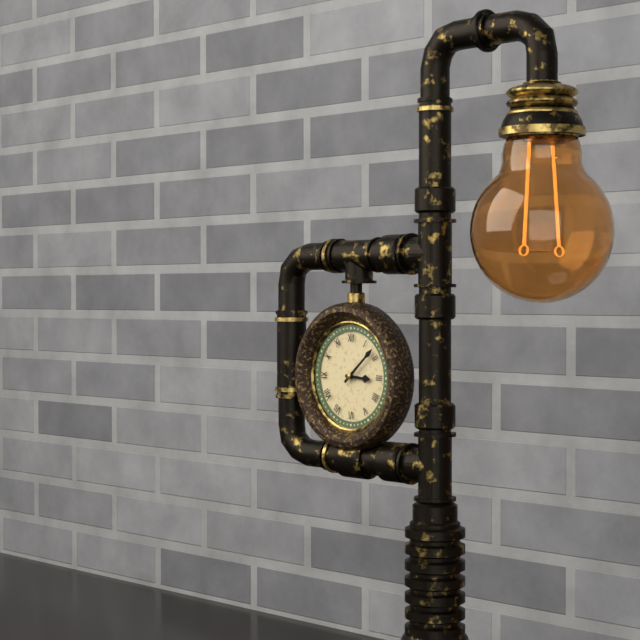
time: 3:08
